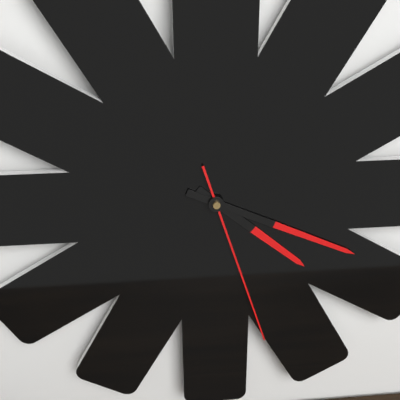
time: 4:19:27
